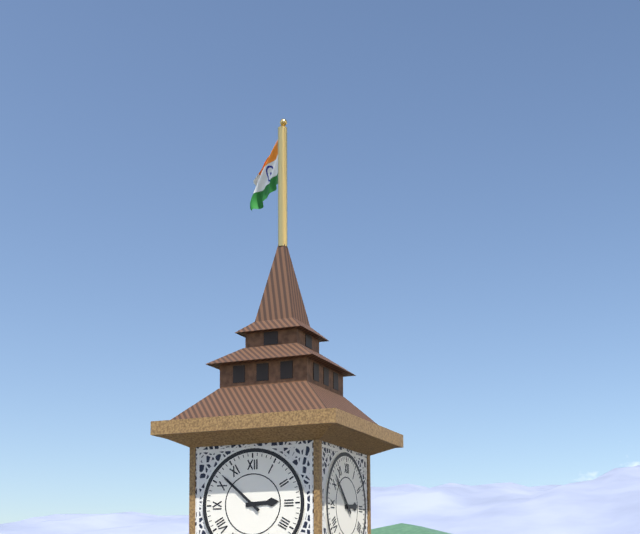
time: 2:52
